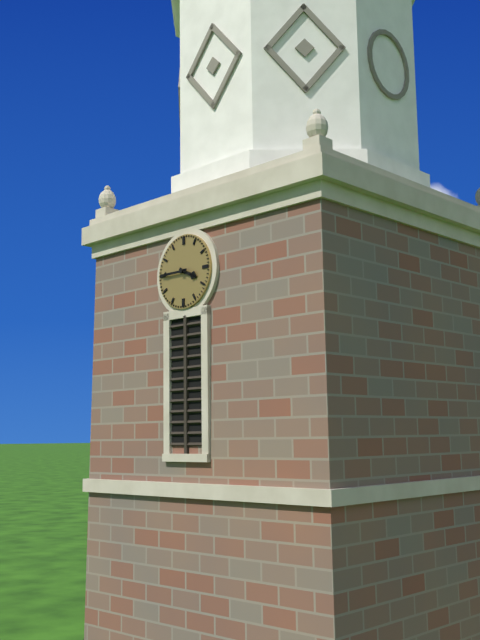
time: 3:45
